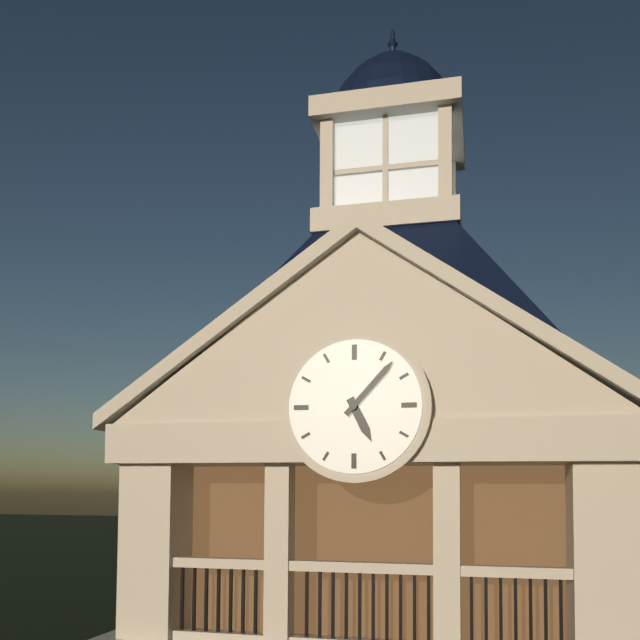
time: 5:07
